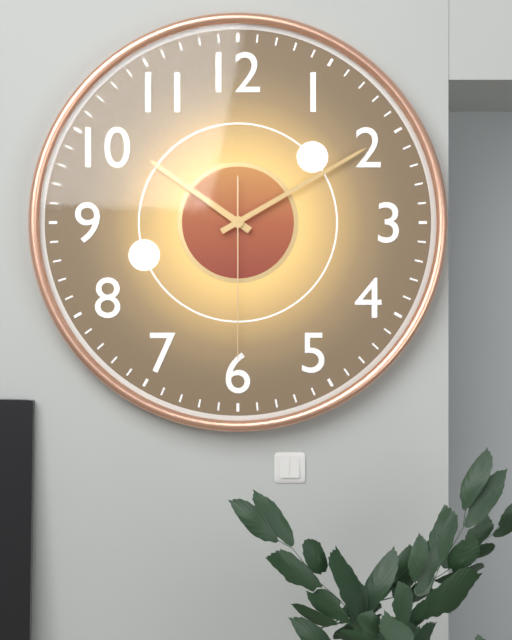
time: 10:10:30
